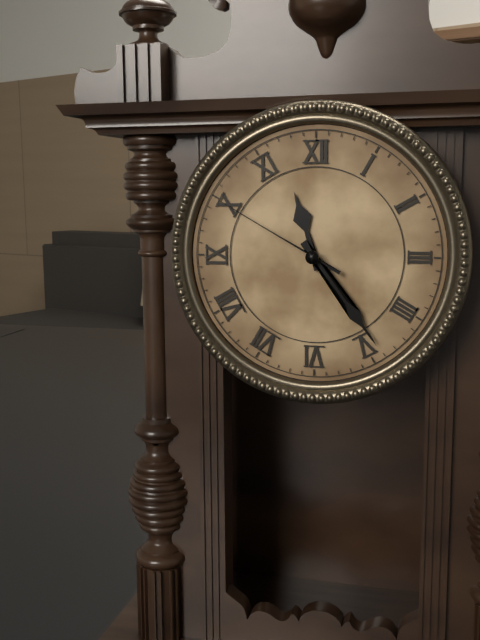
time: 11:24:50
